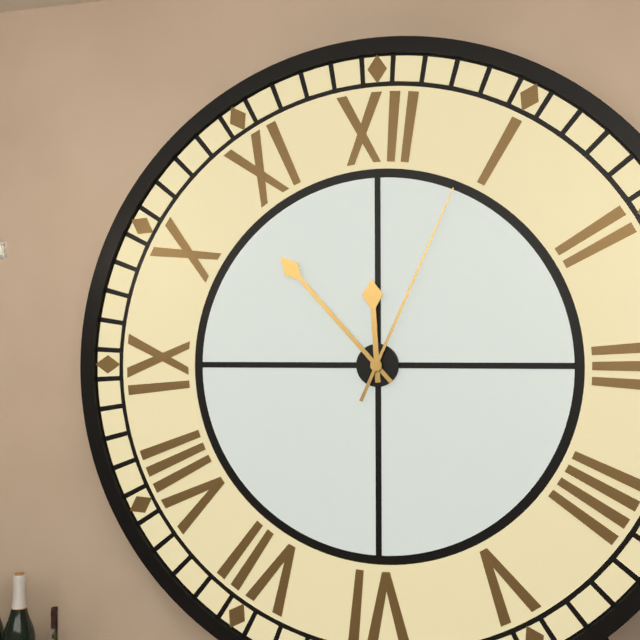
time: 11:53:04
